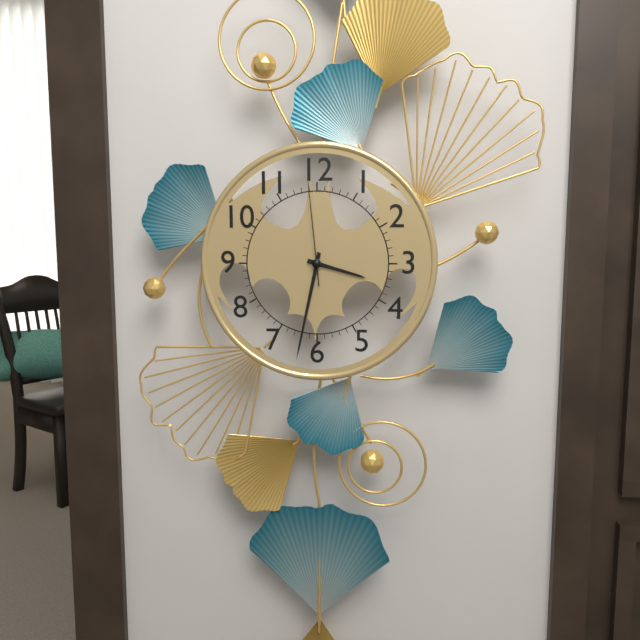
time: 3:32:59
